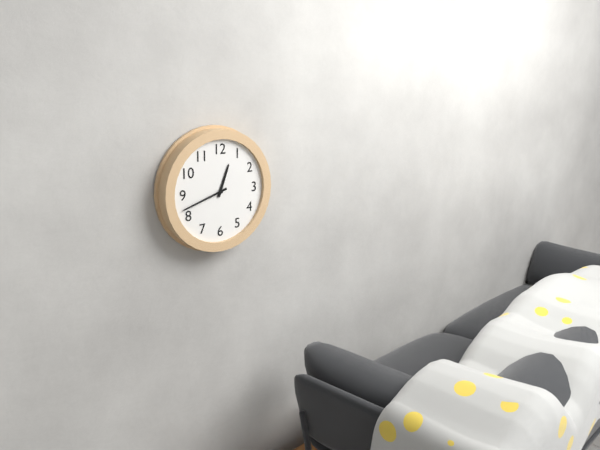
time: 12:42
